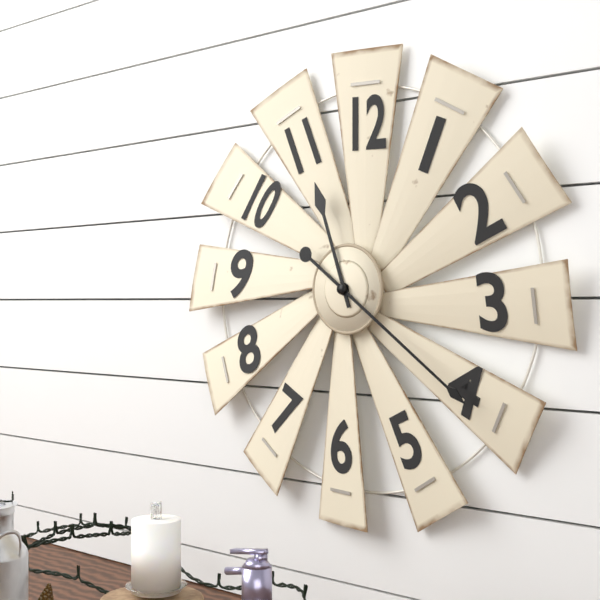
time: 11:21
